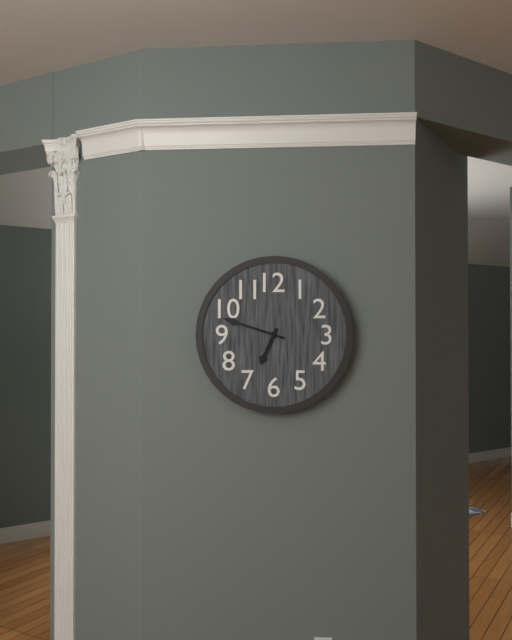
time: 6:48
